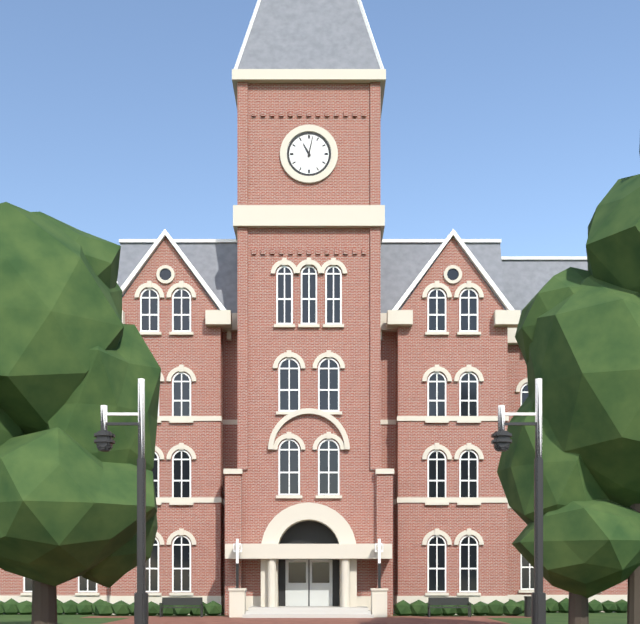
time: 11:02
